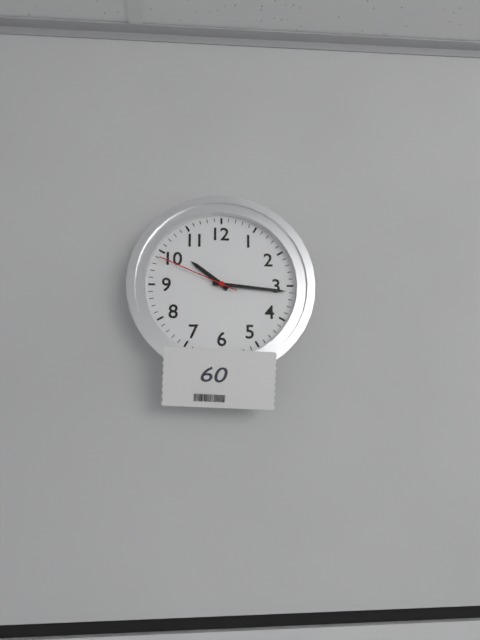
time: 10:16:49
